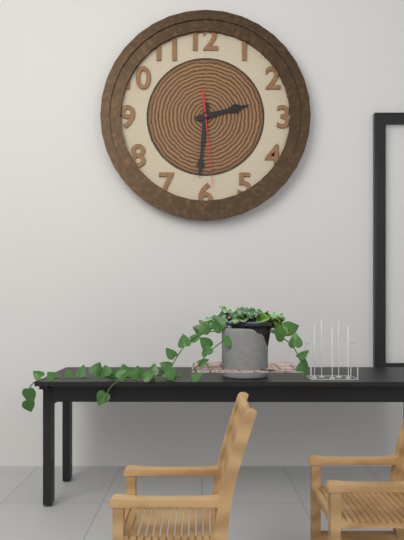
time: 2:31:29
